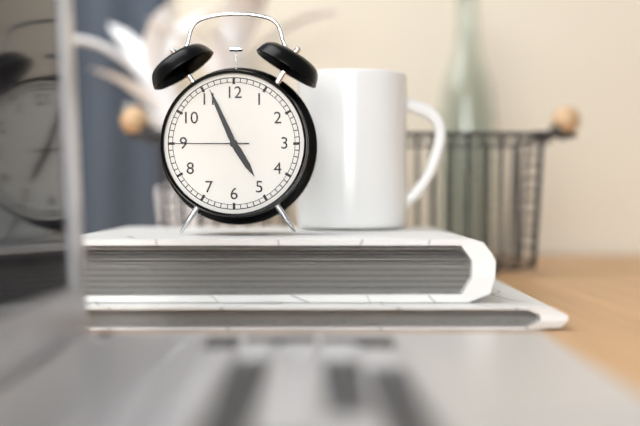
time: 4:56:45
